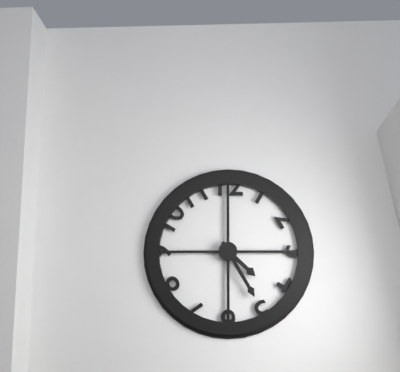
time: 4:25
